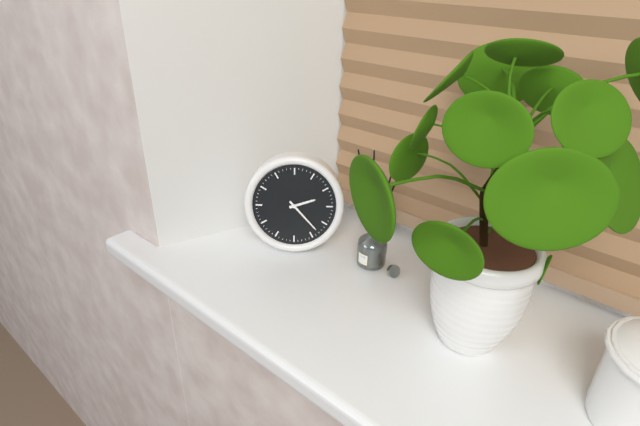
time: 2:23
